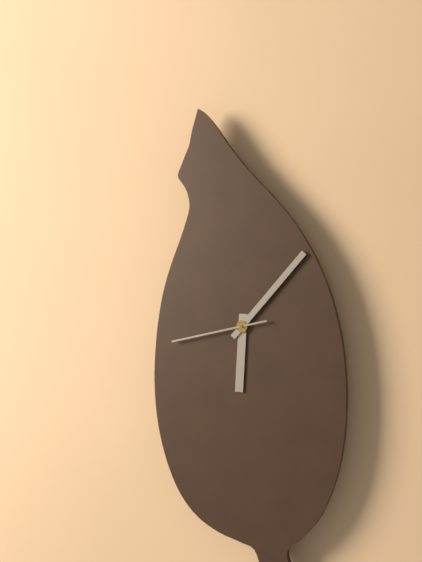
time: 6:07:43
